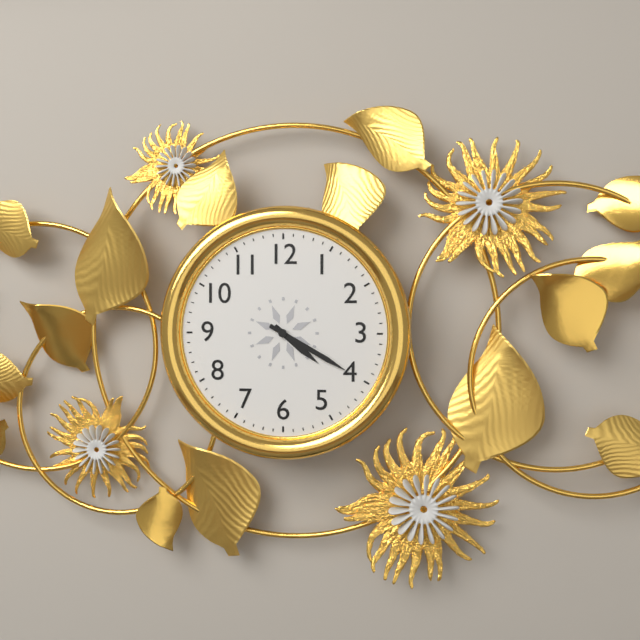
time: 4:20
